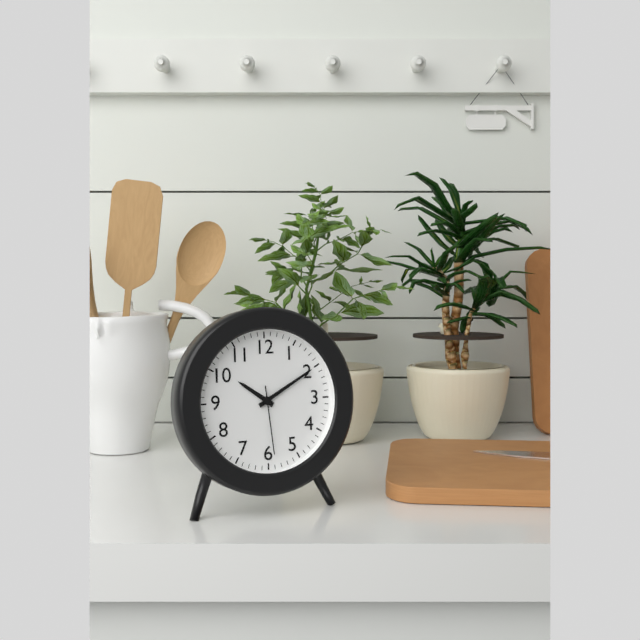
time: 10:10:29
